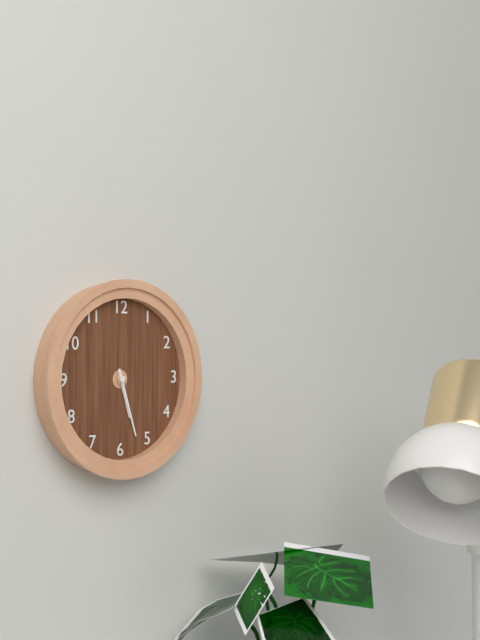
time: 5:27
